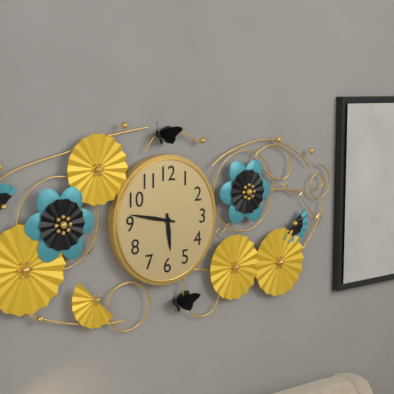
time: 5:47
